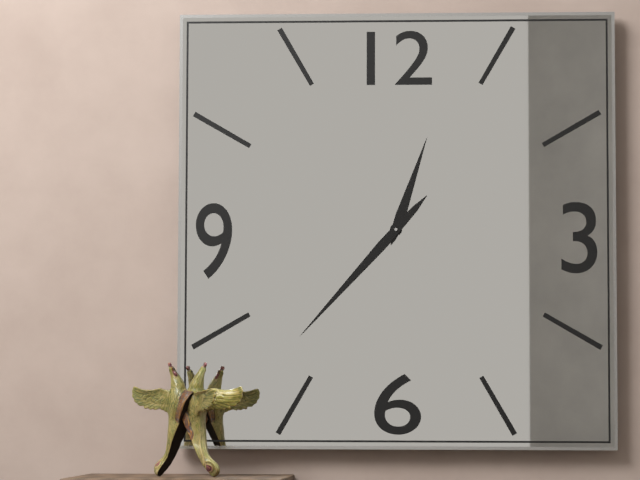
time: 12:37
